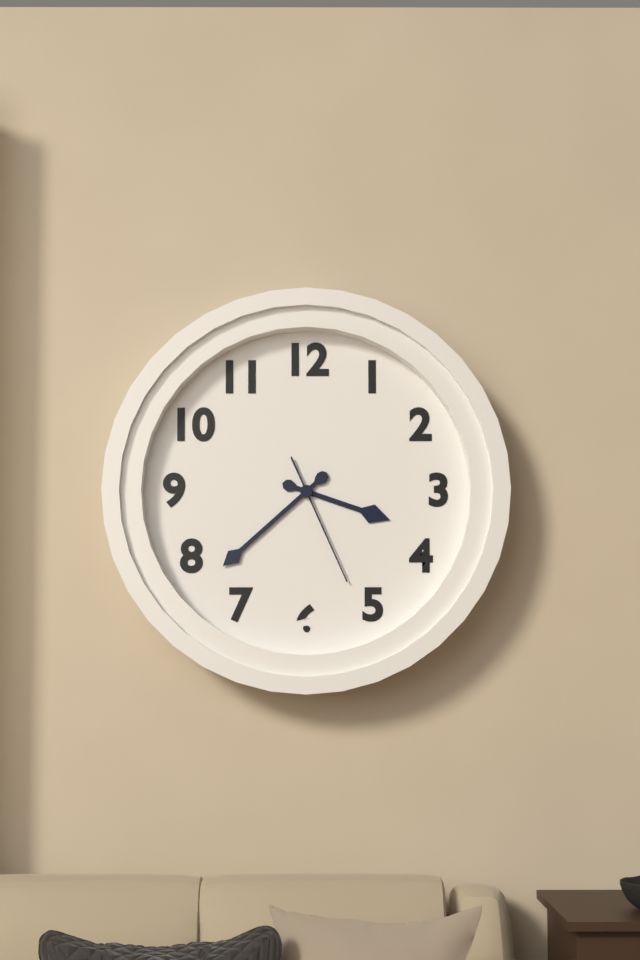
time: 3:38:26
